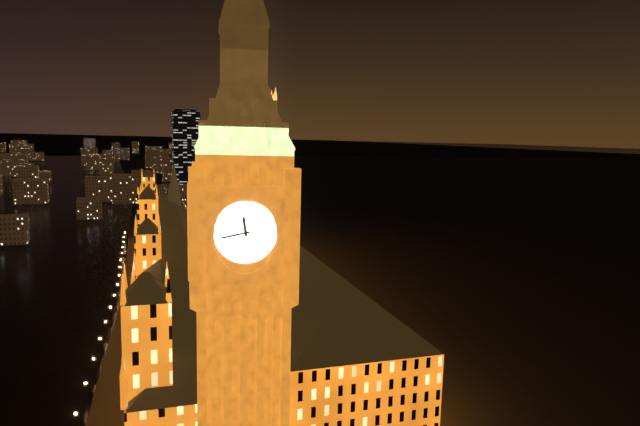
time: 11:43
